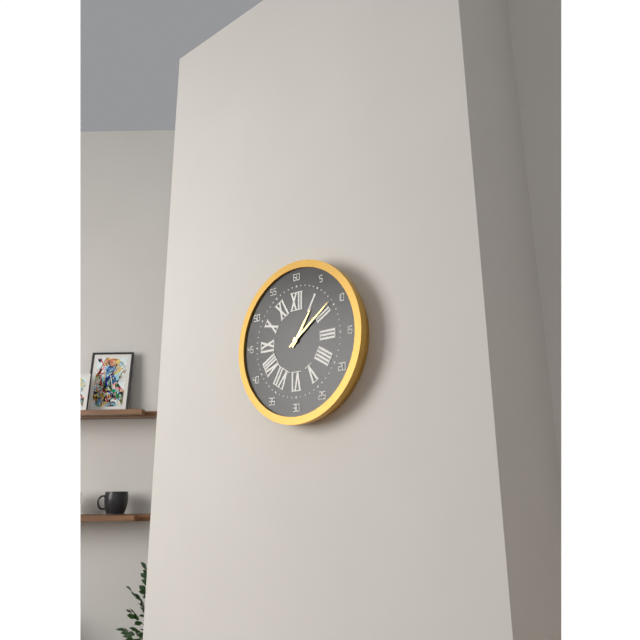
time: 1:09
